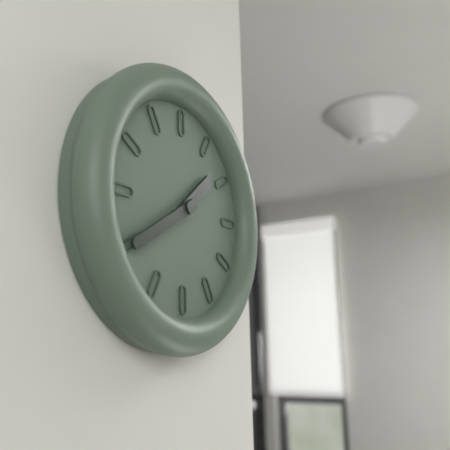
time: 1:40
